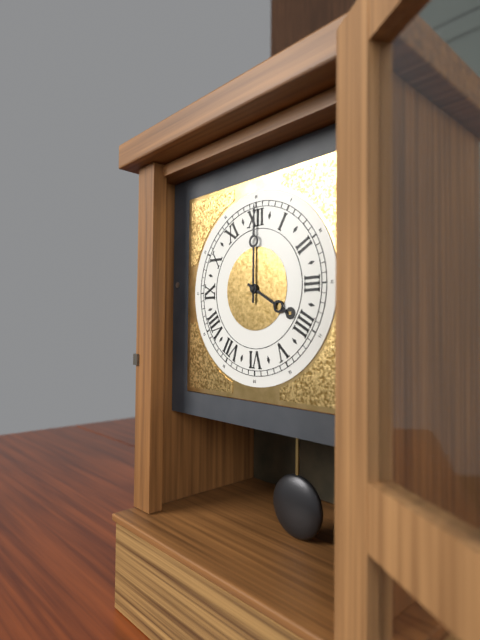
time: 4:00
